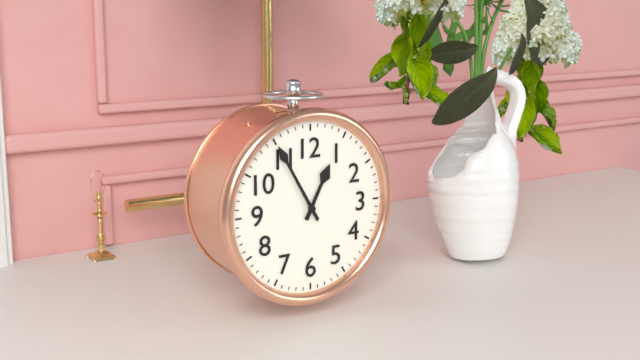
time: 12:55
